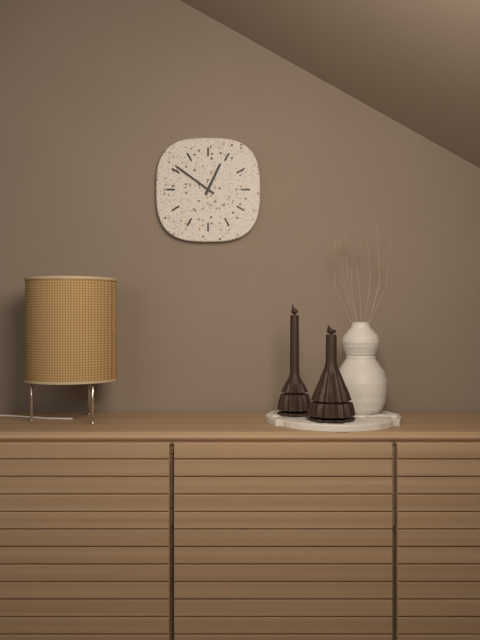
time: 12:51
